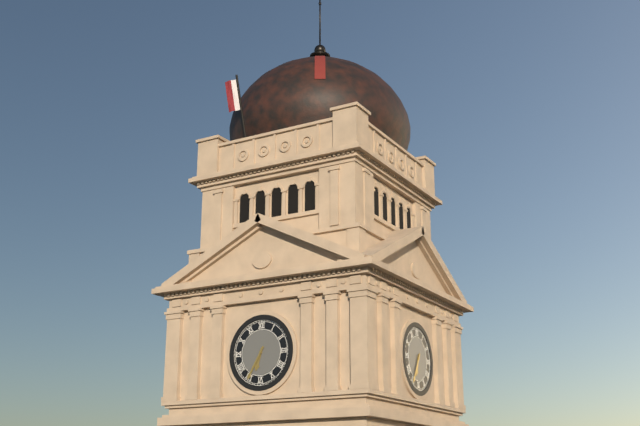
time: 6:35
